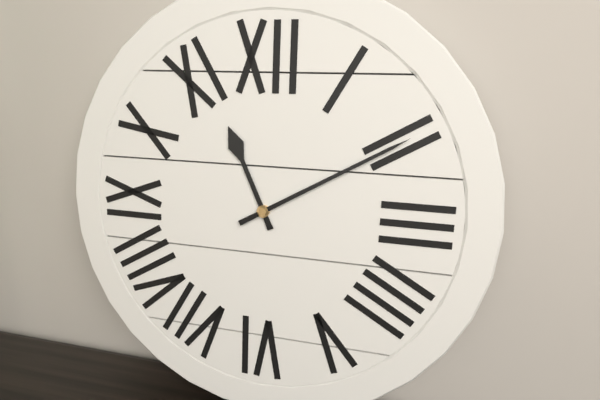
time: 11:10
